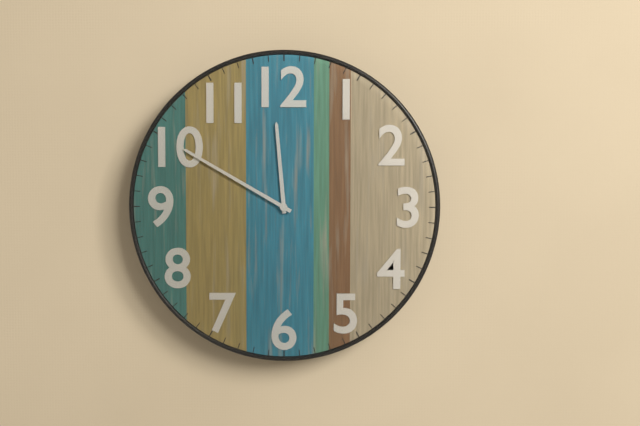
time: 11:50
